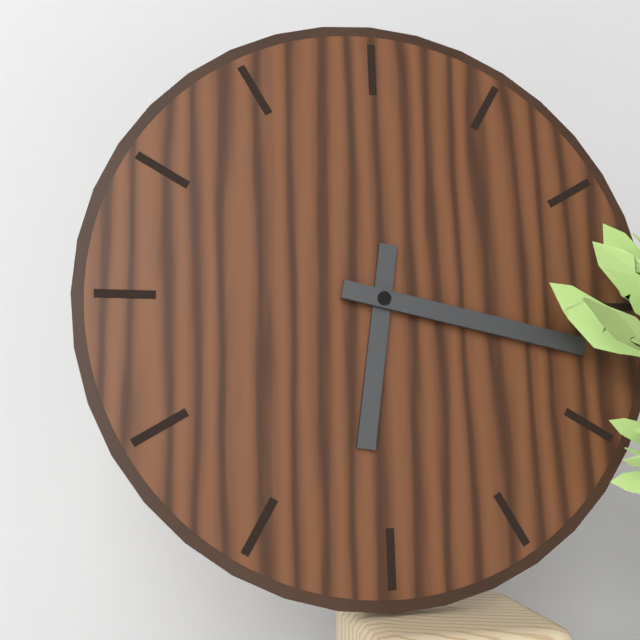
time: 6:17
